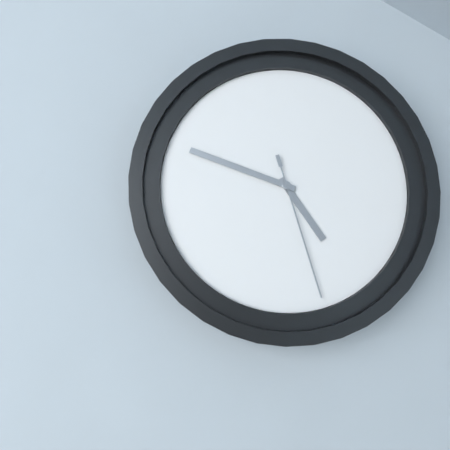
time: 4:48:27
